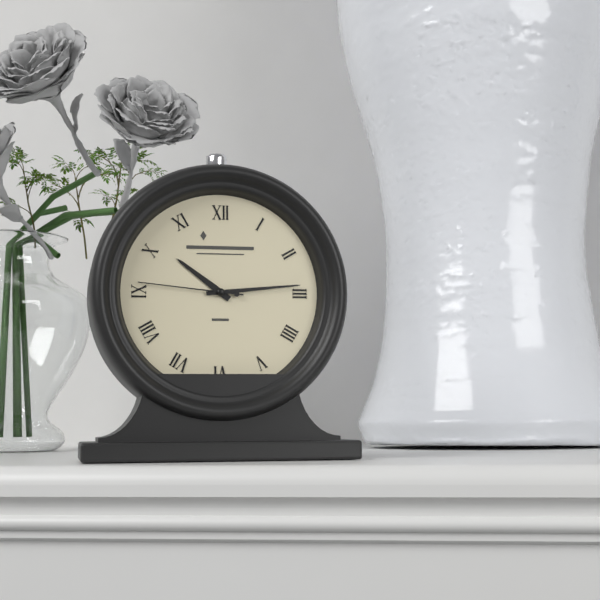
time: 10:14:46
